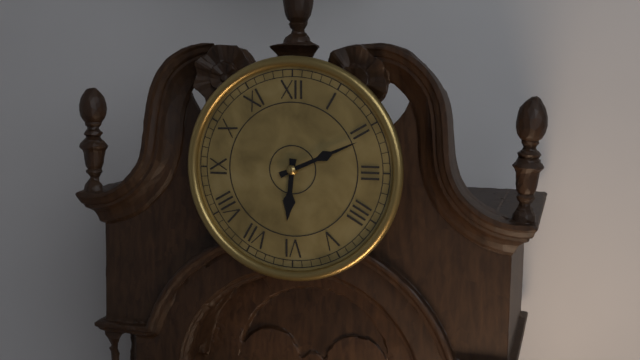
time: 6:11
